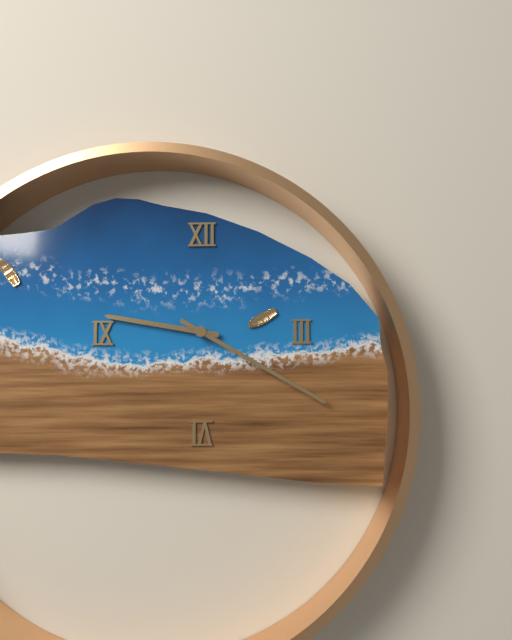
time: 9:20
